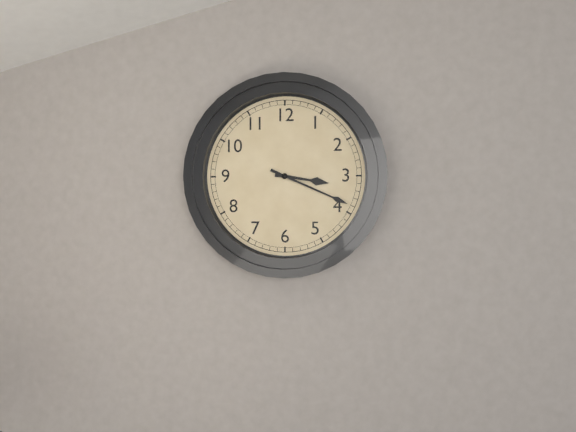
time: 3:19
